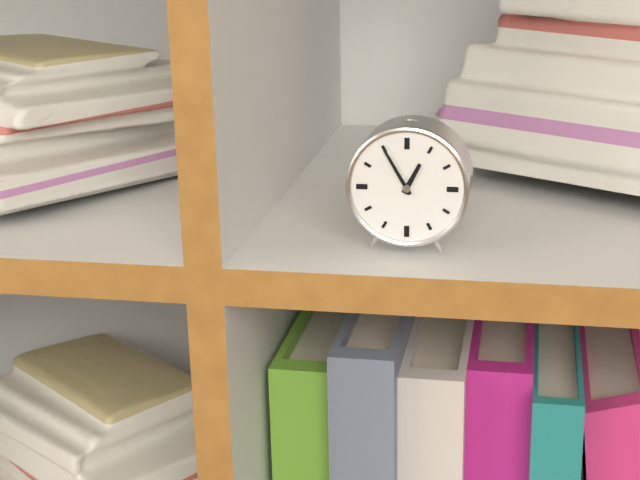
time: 12:55
